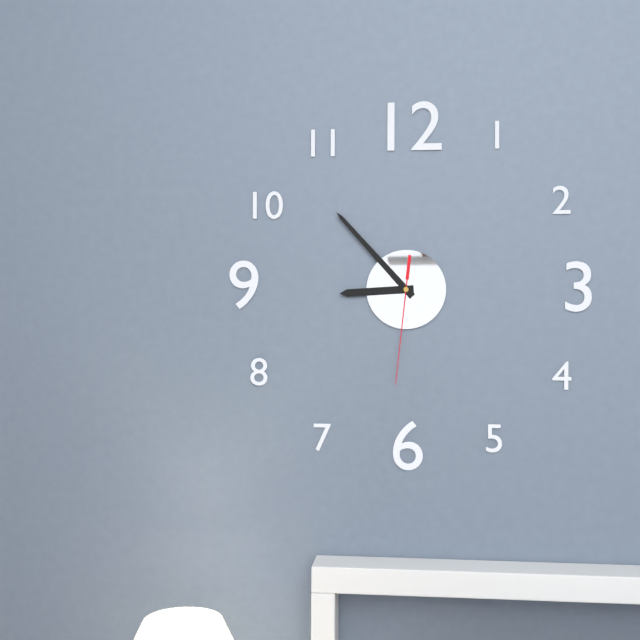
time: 8:53:31
